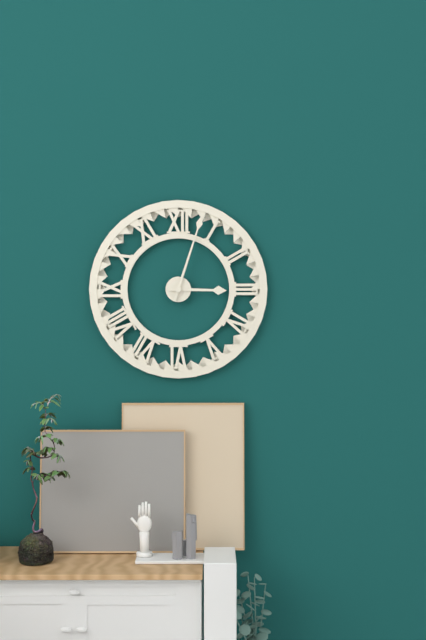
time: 3:03
